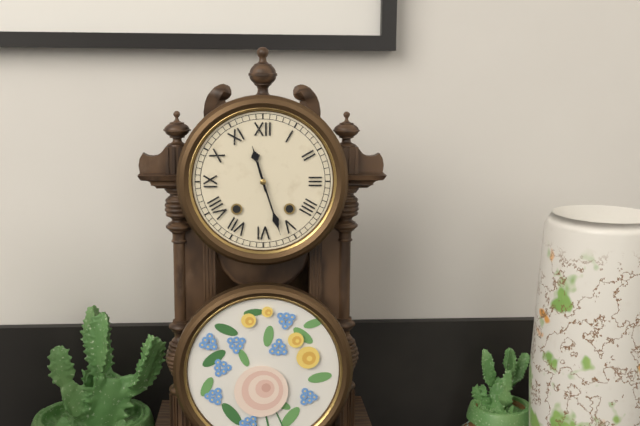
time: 11:27
